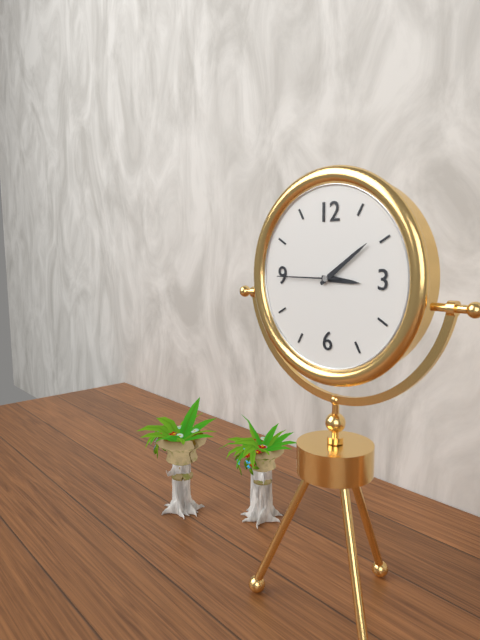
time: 3:09:45
